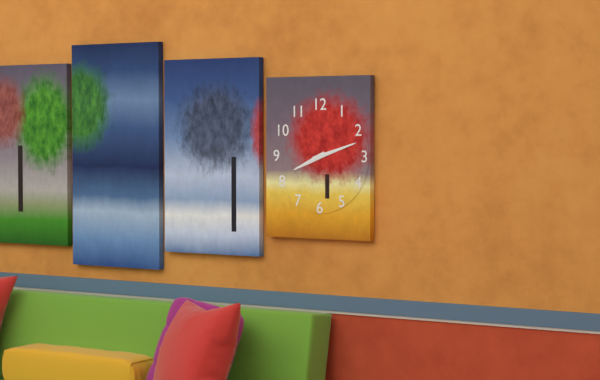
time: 8:12
